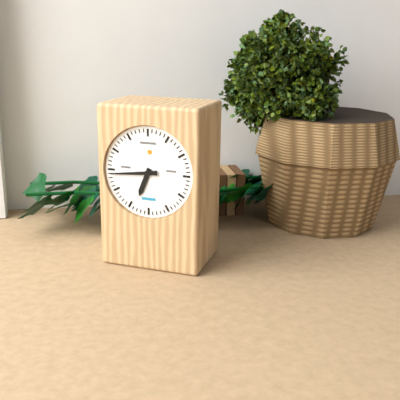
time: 6:44
